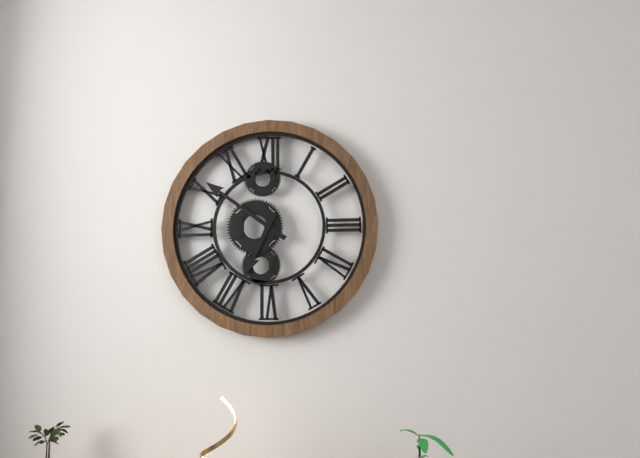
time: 6:51
